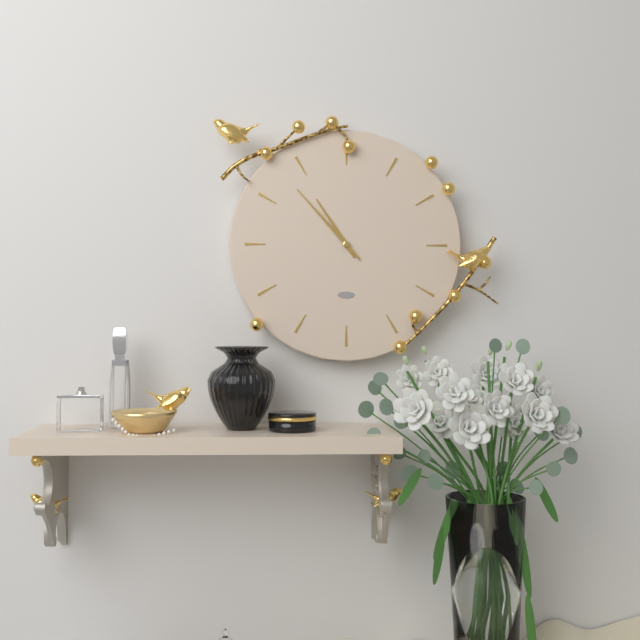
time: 10:53
